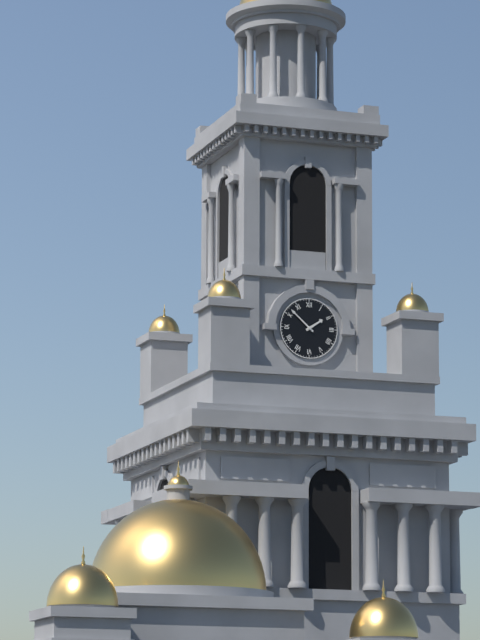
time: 1:52
